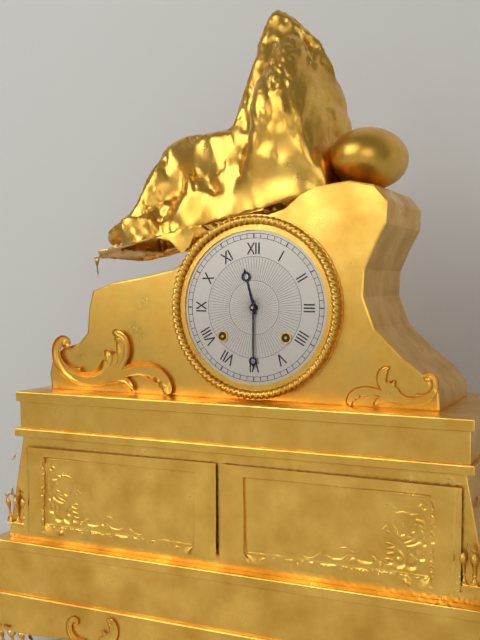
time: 11:30
